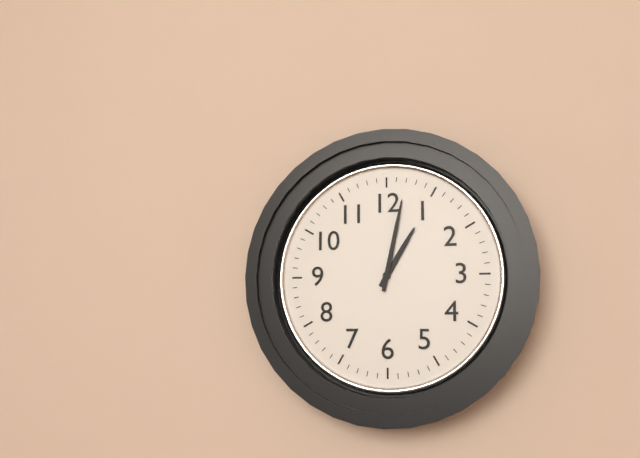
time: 1:02
